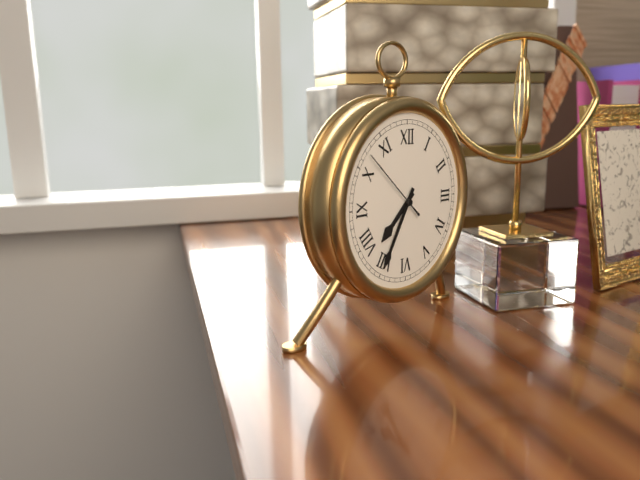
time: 7:35:52
